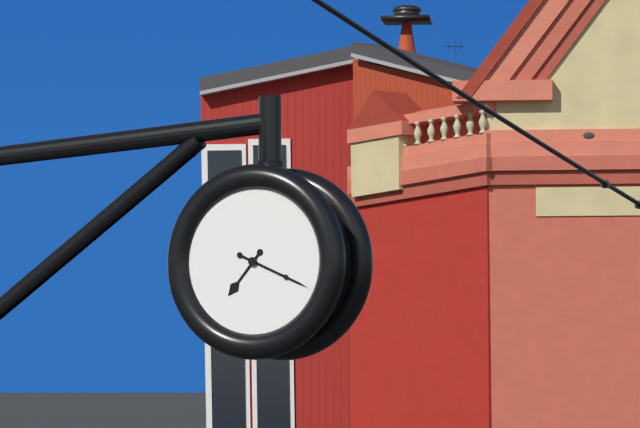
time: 7:19
